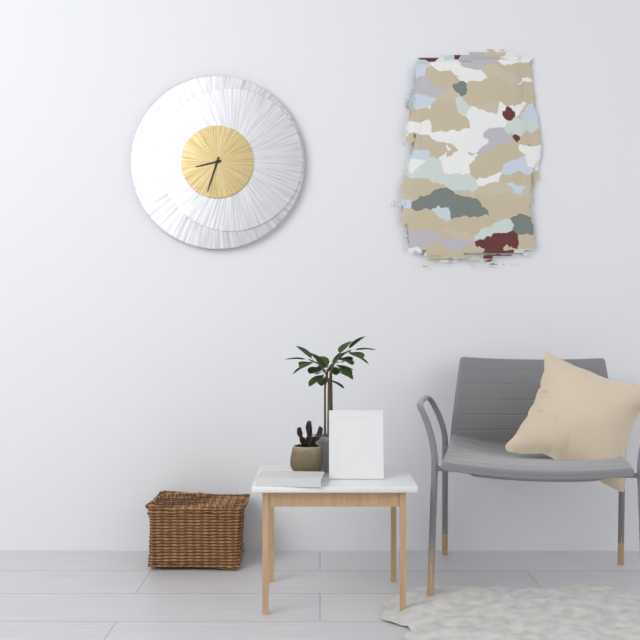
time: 8:33
